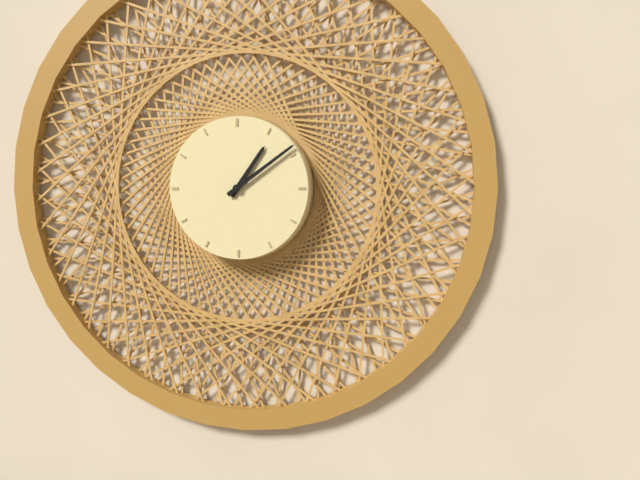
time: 1:09
